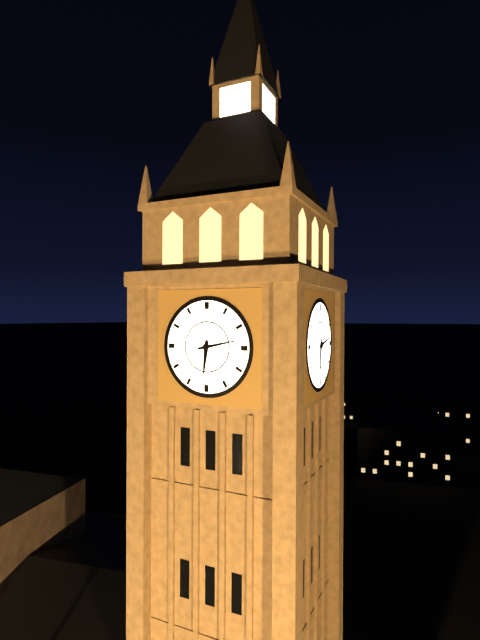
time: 6:13
